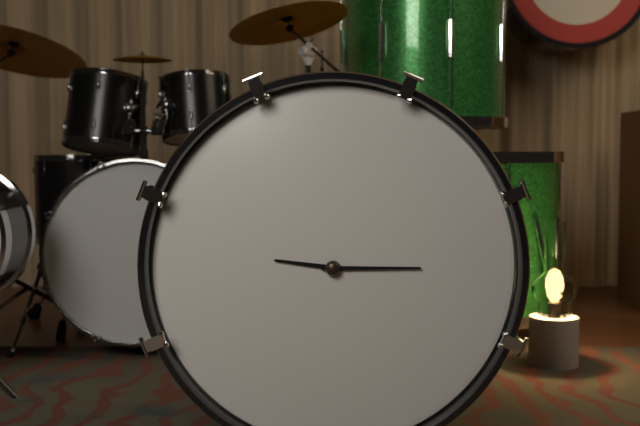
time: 9:15
